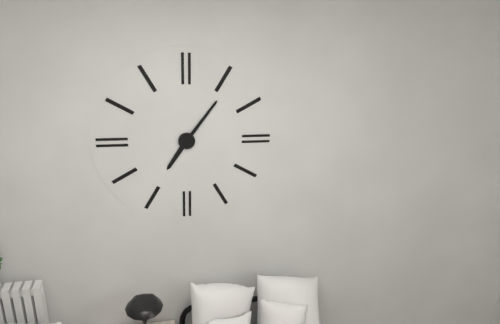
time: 7:06
